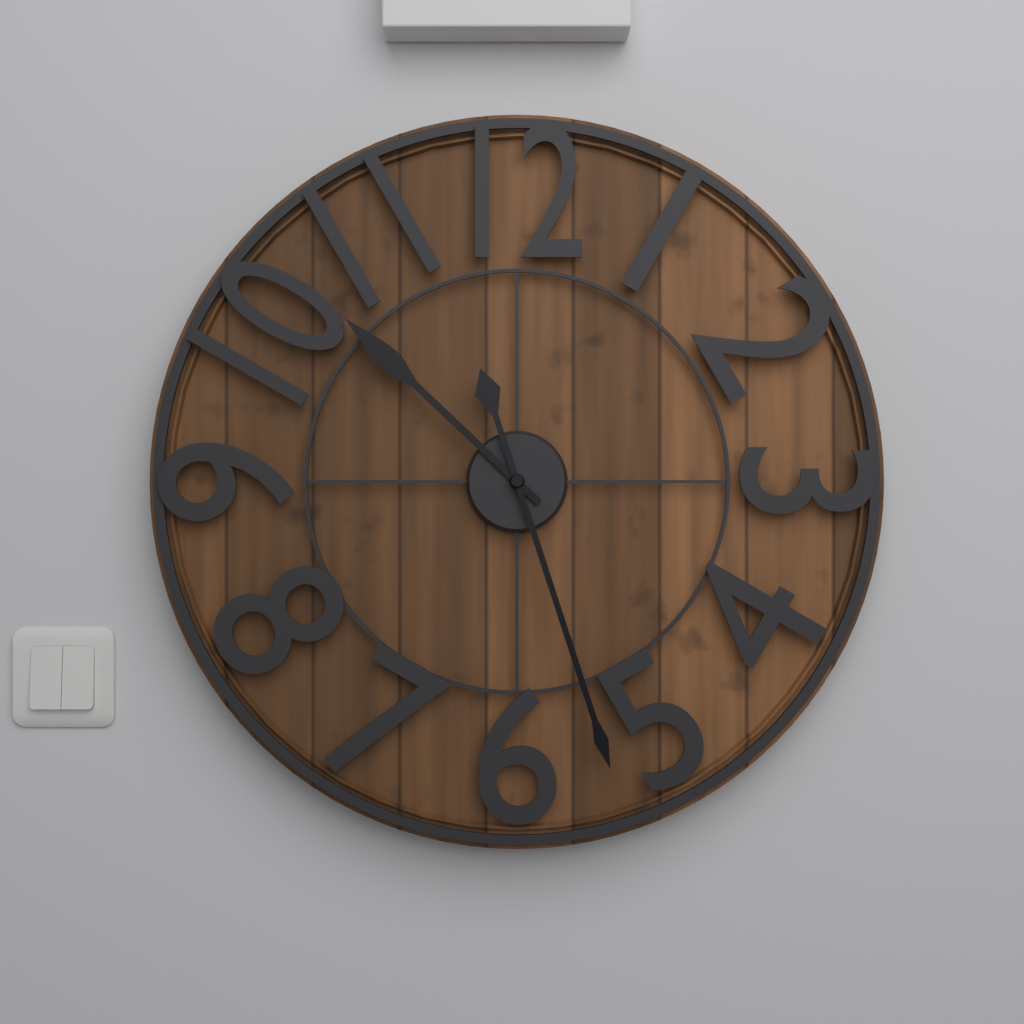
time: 10:27
